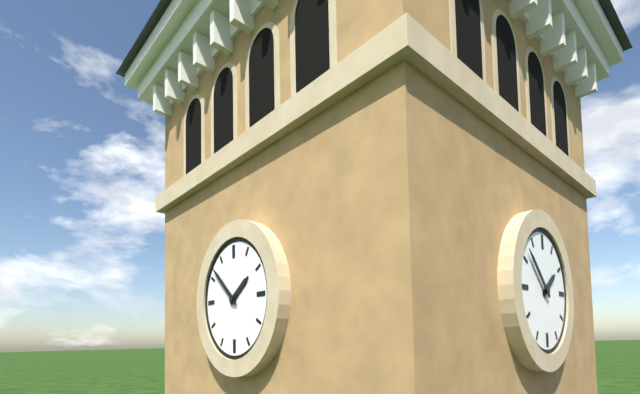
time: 1:52
